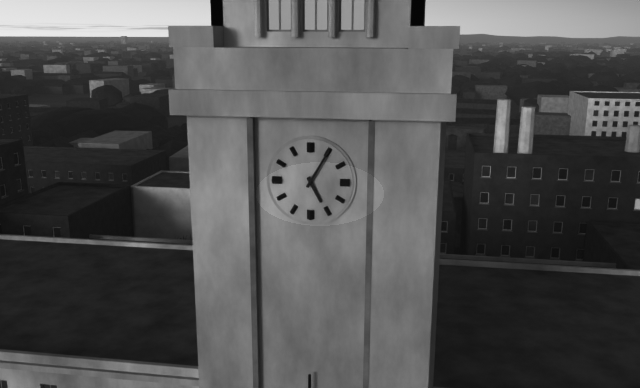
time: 5:05
